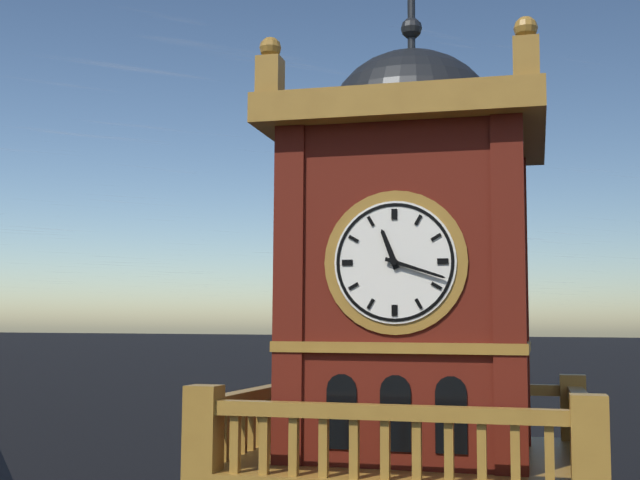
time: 11:18
